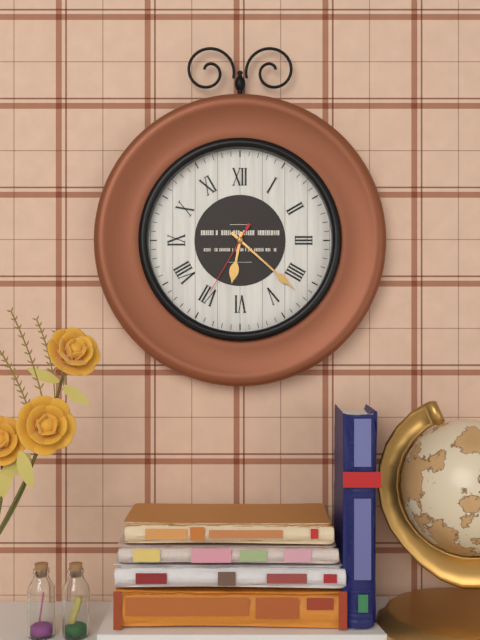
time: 6:22:35
